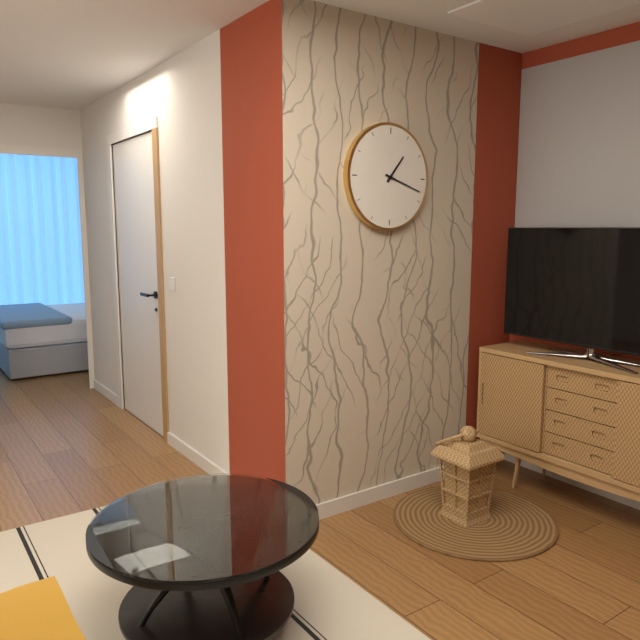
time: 1:18
